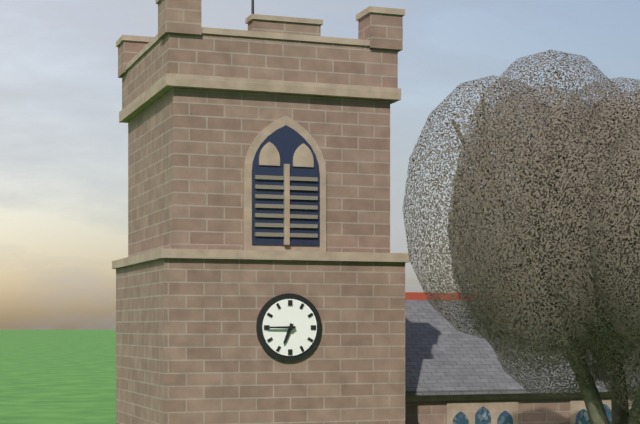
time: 6:45
